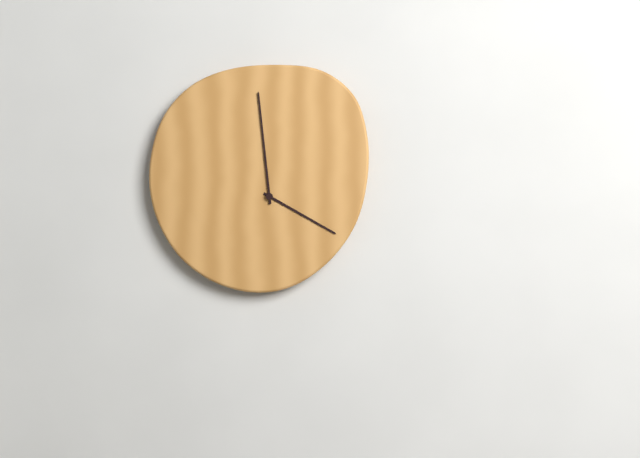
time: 3:59
